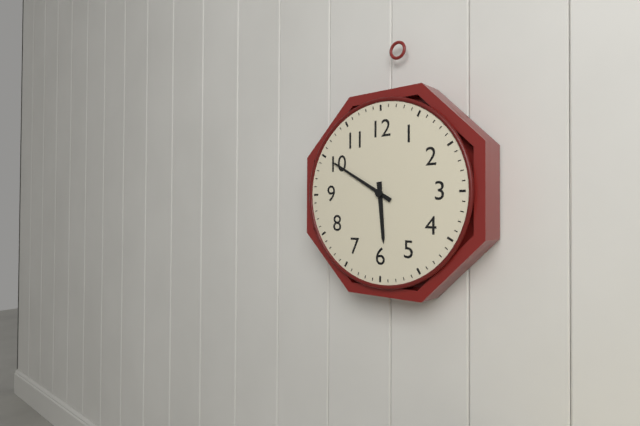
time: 5:50
